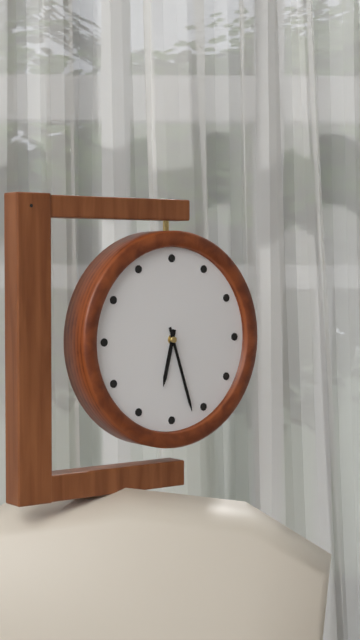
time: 6:27
